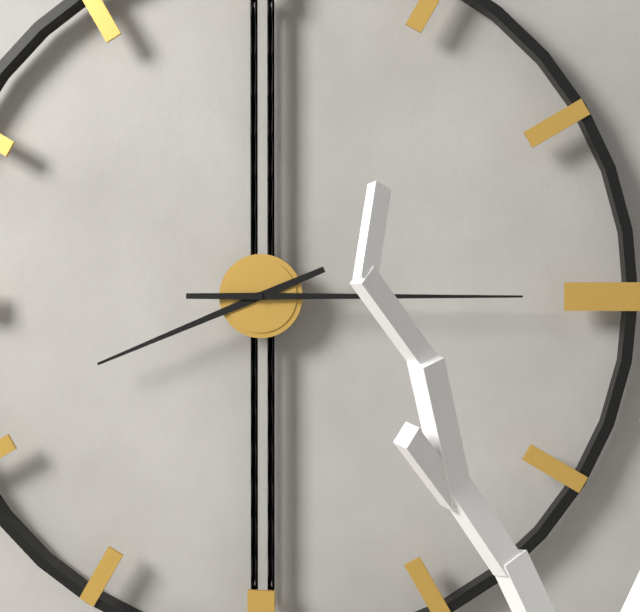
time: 8:15
